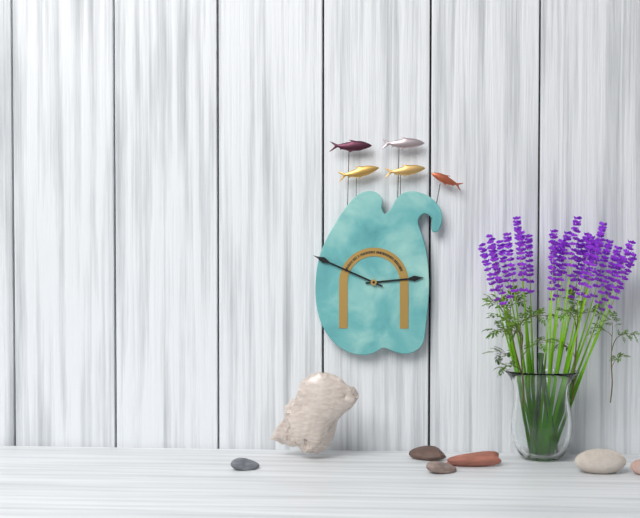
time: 2:49
